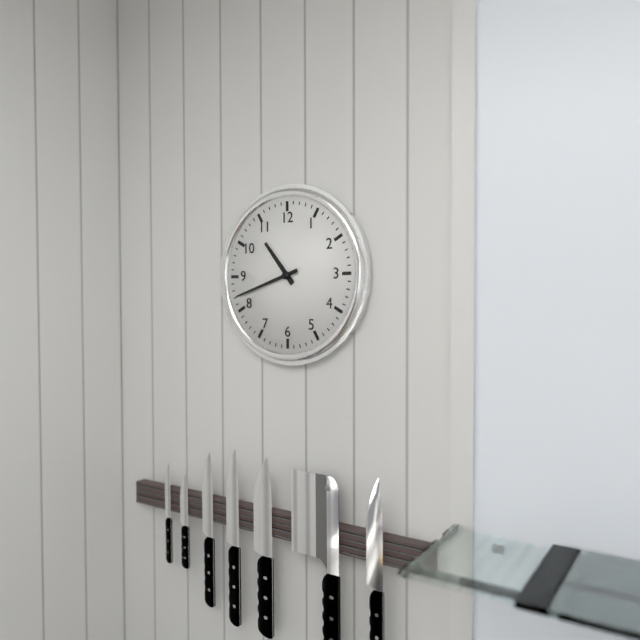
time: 10:42
